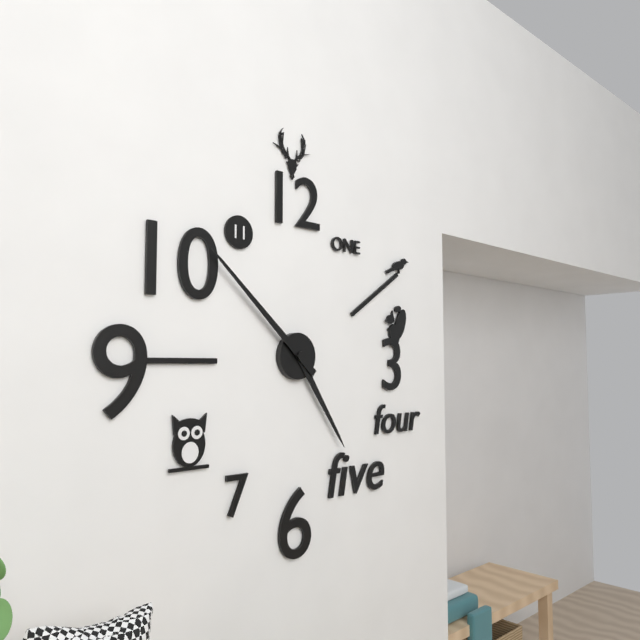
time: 4:52
